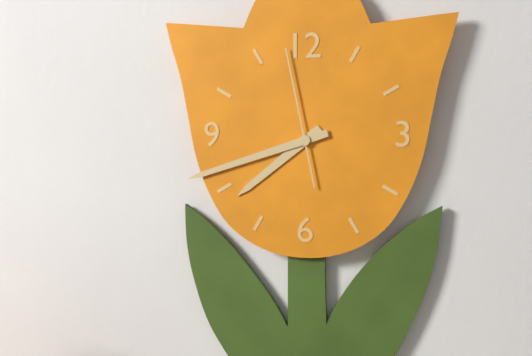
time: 7:42:58
